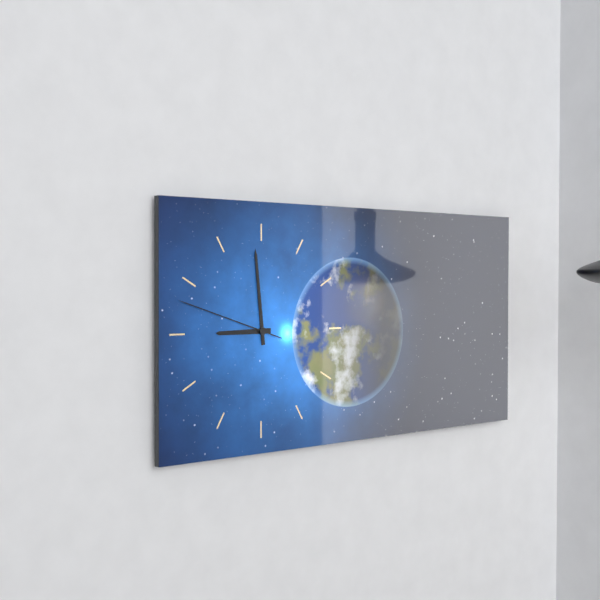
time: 8:59:48
